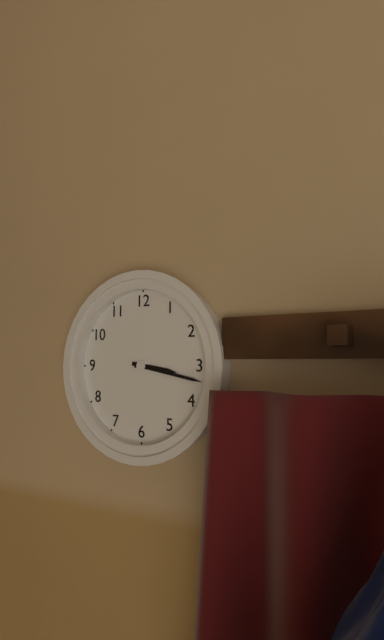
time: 3:17
